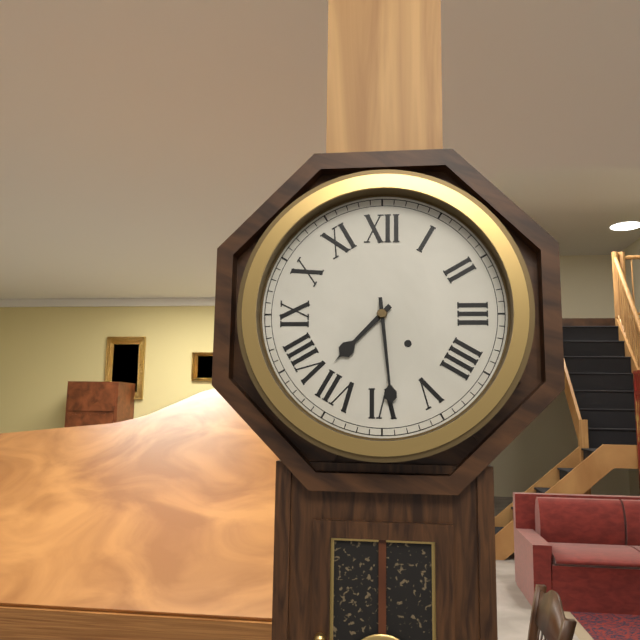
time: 7:29
